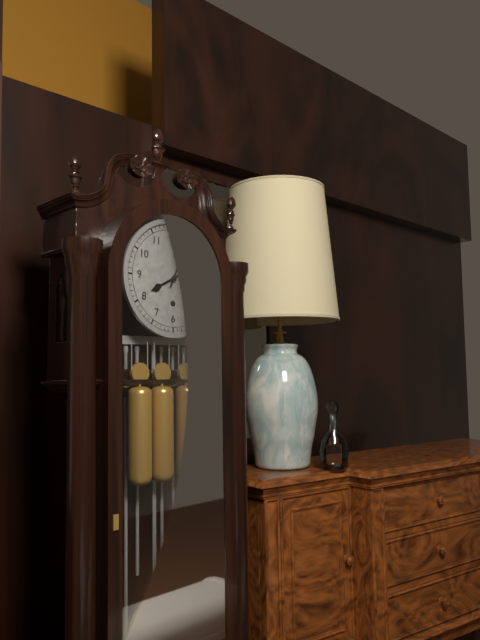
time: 8:04
